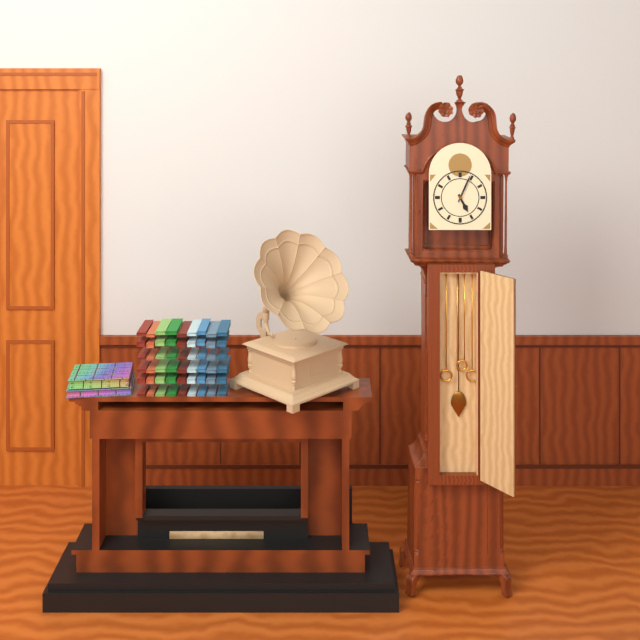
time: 5:04
